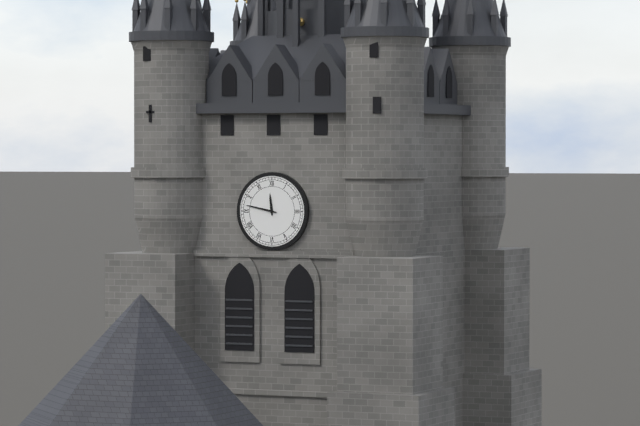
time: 11:47
